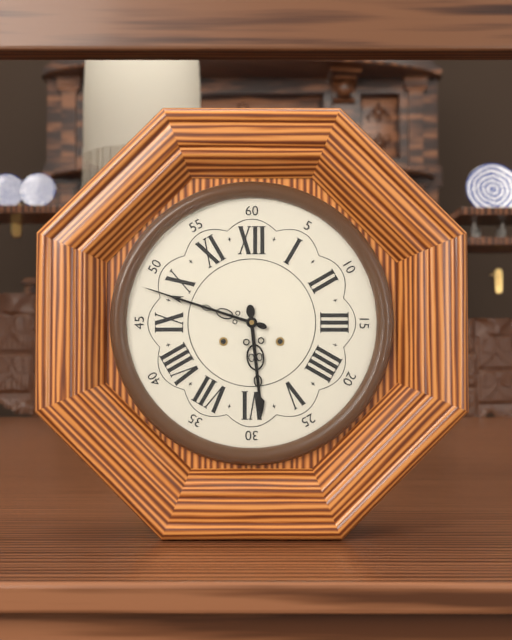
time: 5:48
